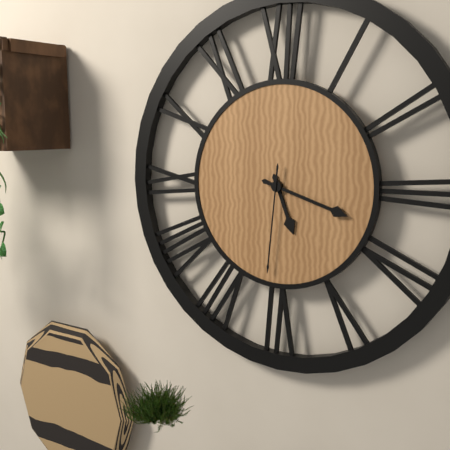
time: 5:18:31
